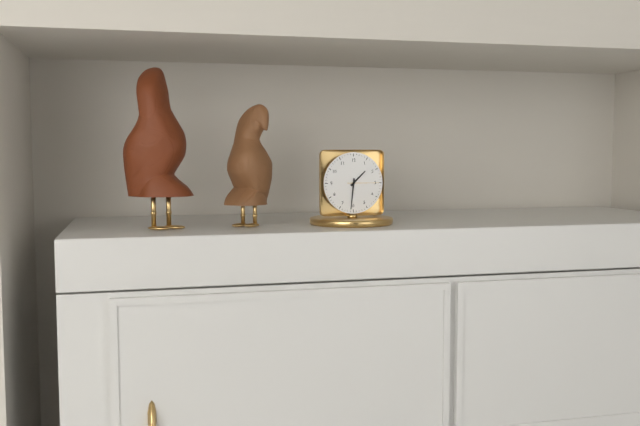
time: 1:31
